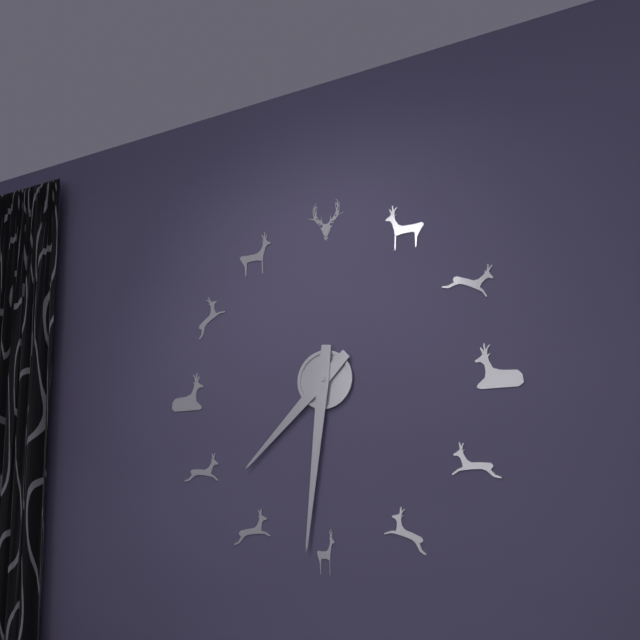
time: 7:31
